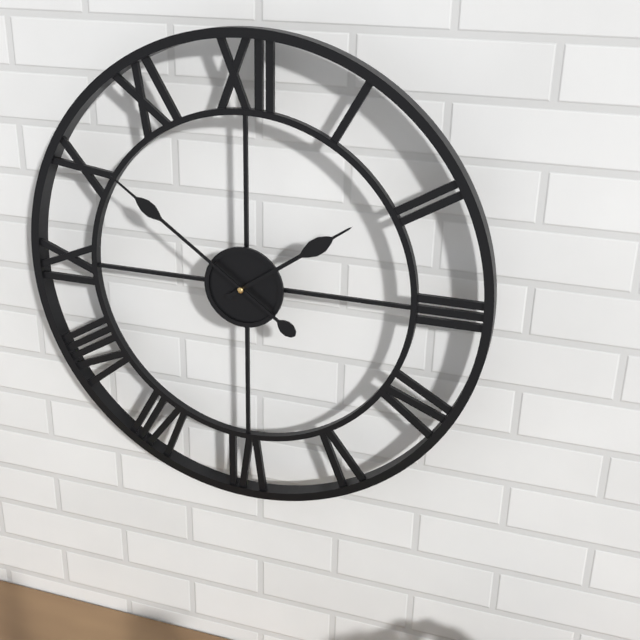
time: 1:51
